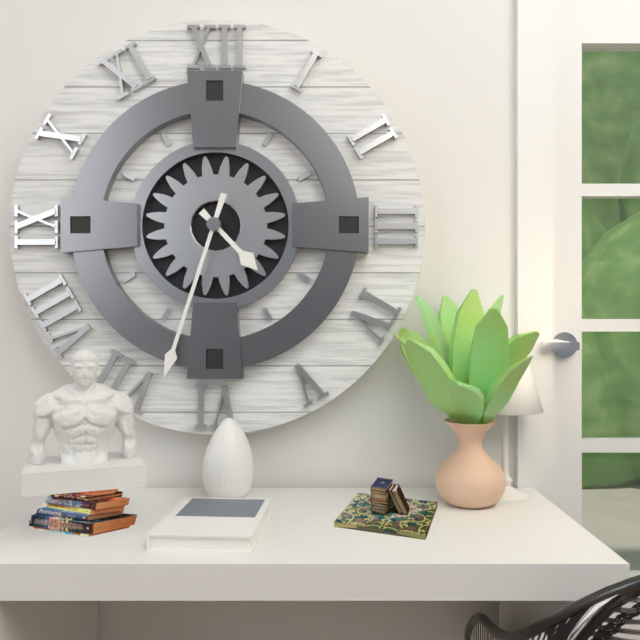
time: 4:33
